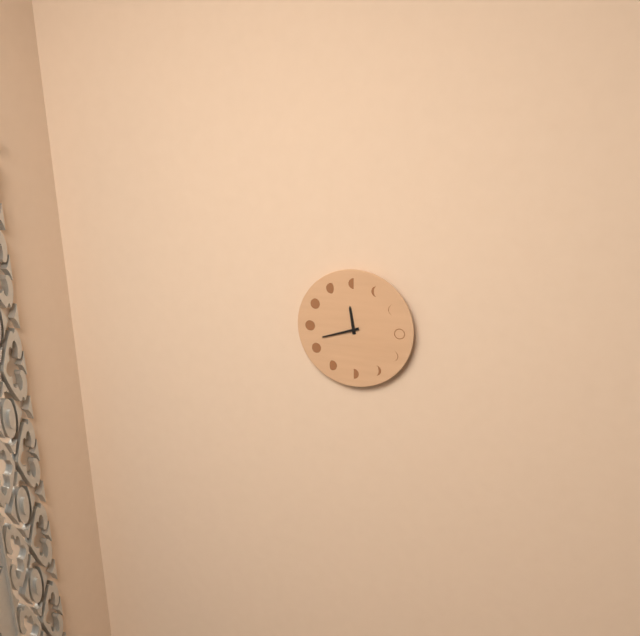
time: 11:42
